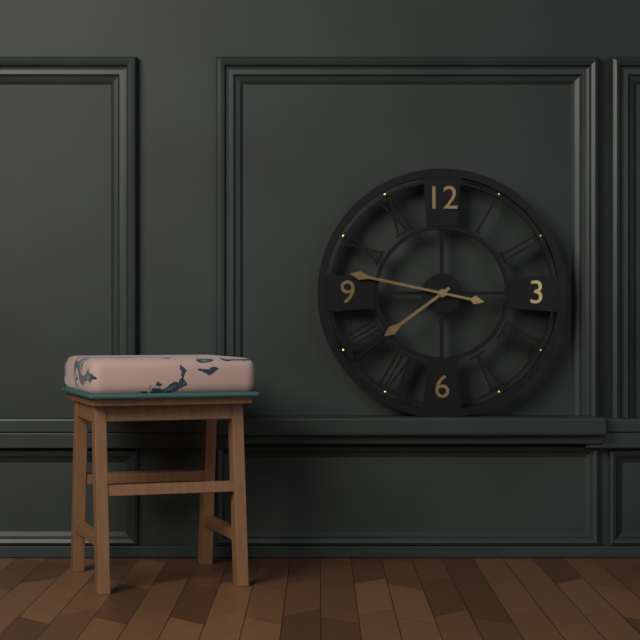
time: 7:47
